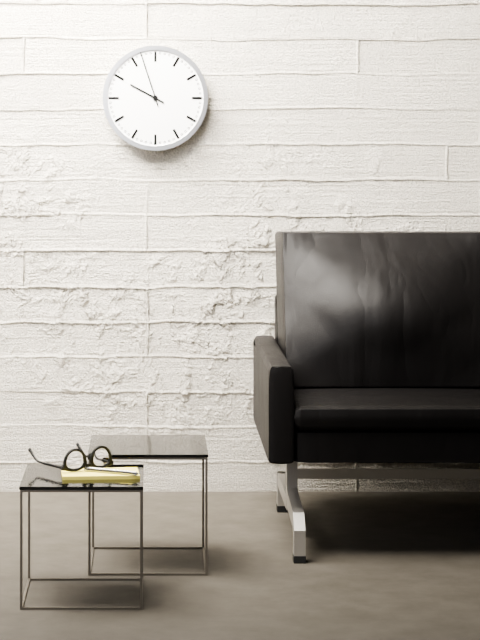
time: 9:57
